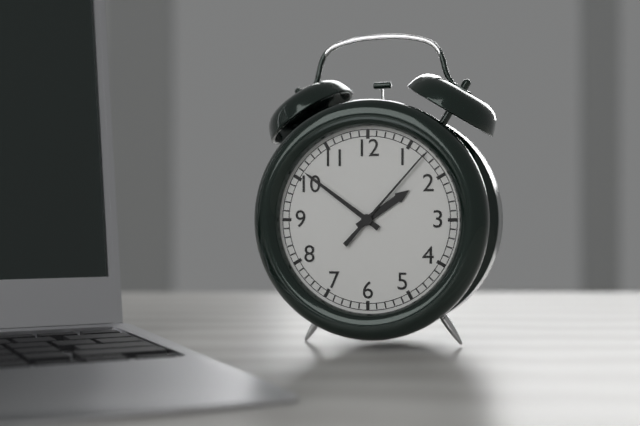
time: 1:51:07
